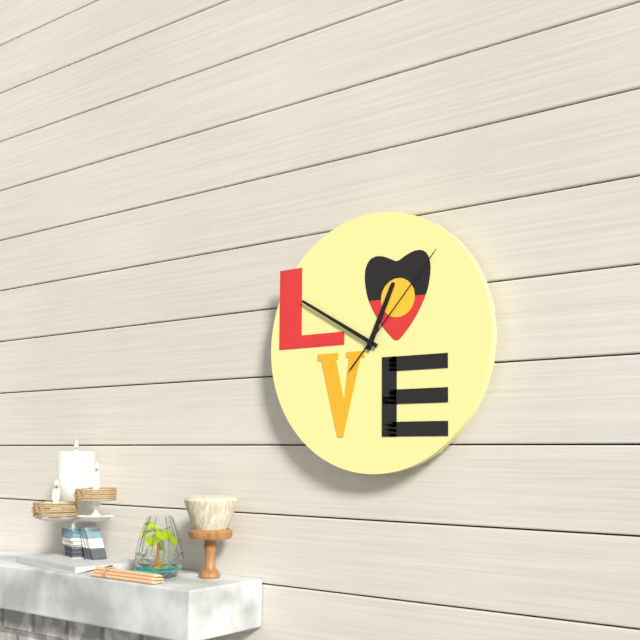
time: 12:50:07
